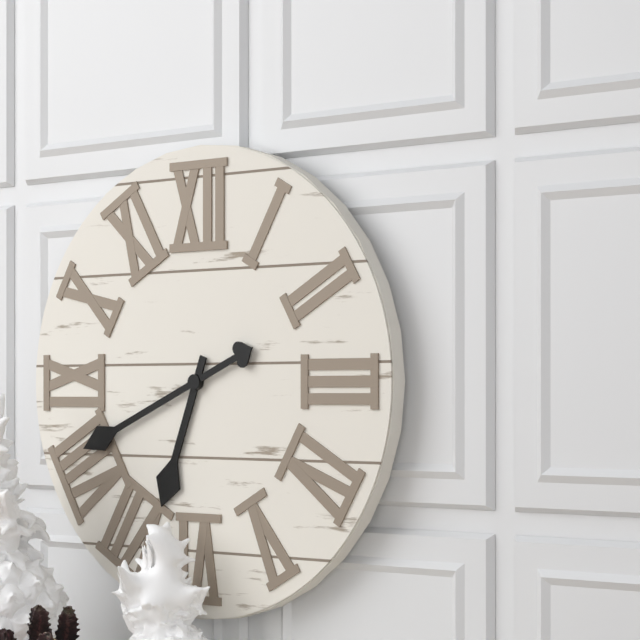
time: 6:41
